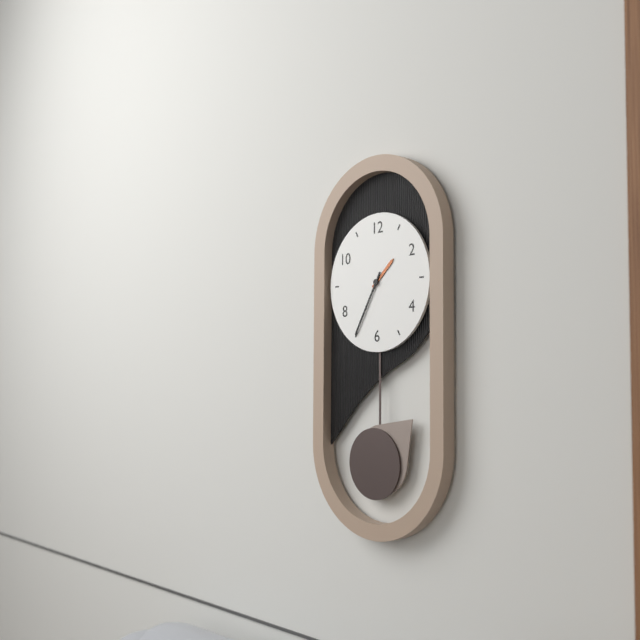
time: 1:35
